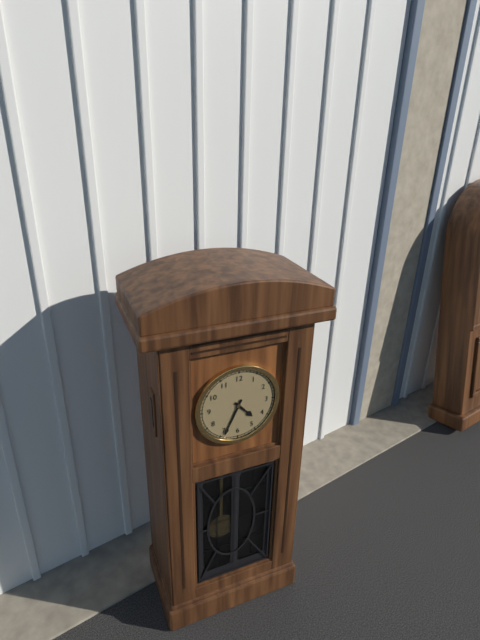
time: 4:34
